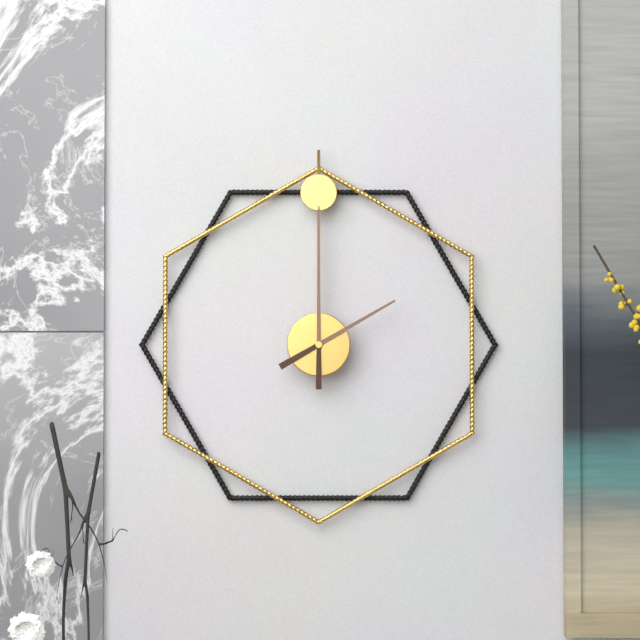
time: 2:00
